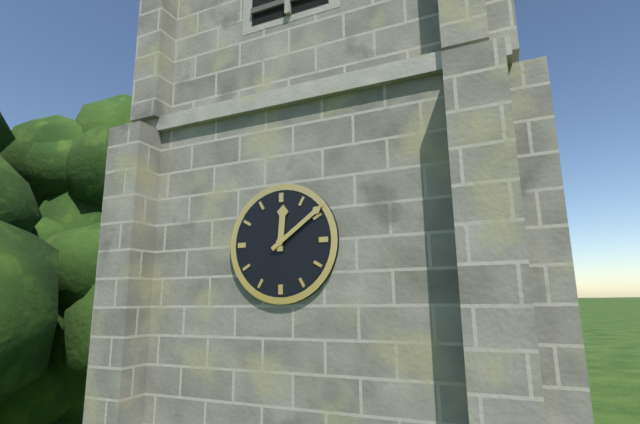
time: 12:09
